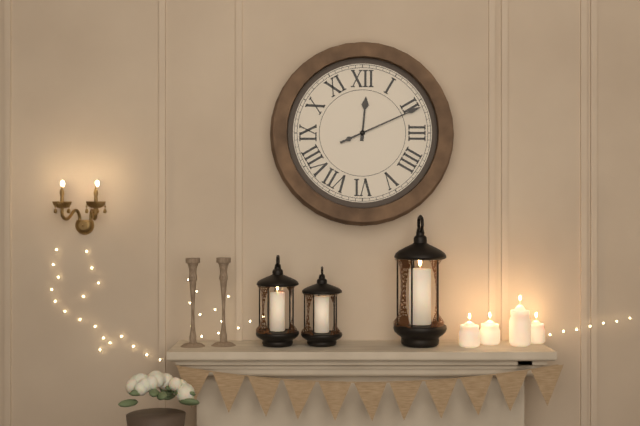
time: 12:11
